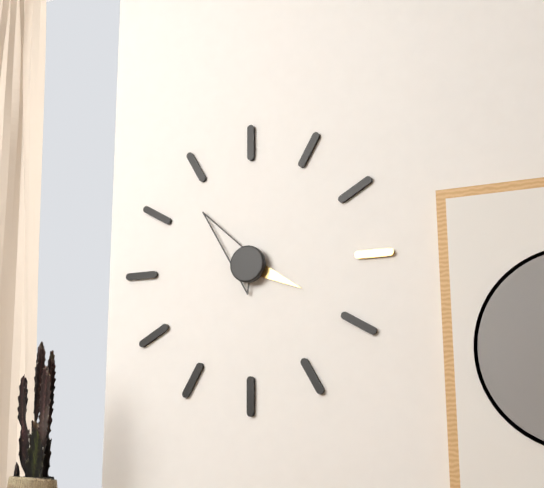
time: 3:53
